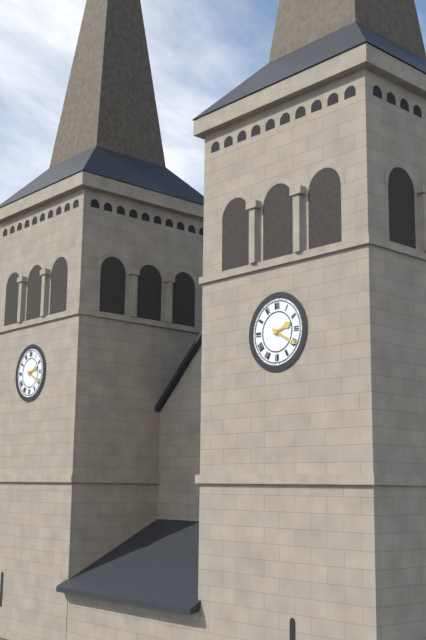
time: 2:20
